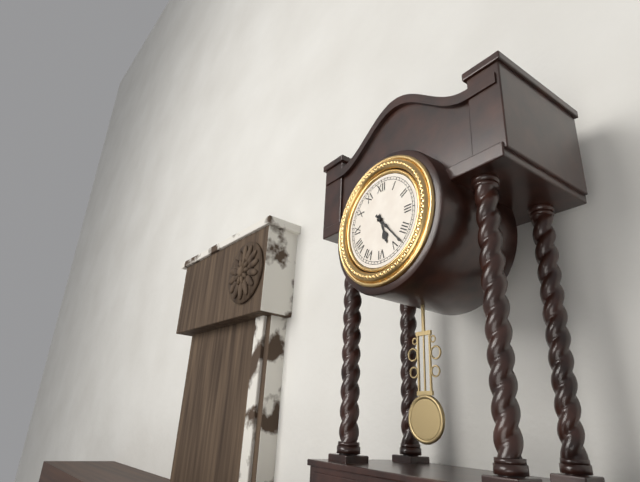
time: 5:23
